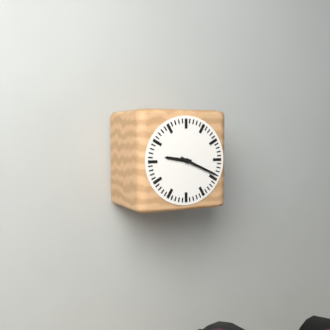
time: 9:19
